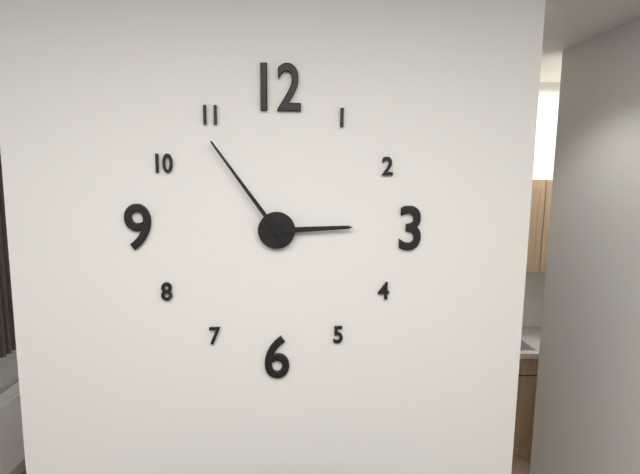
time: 2:54
